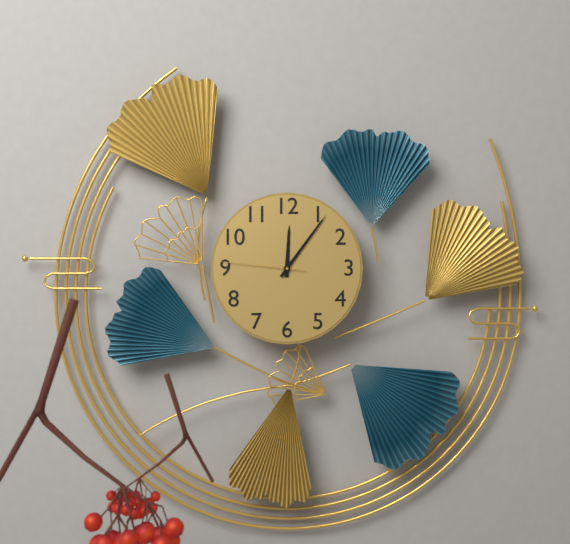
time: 12:06:46
